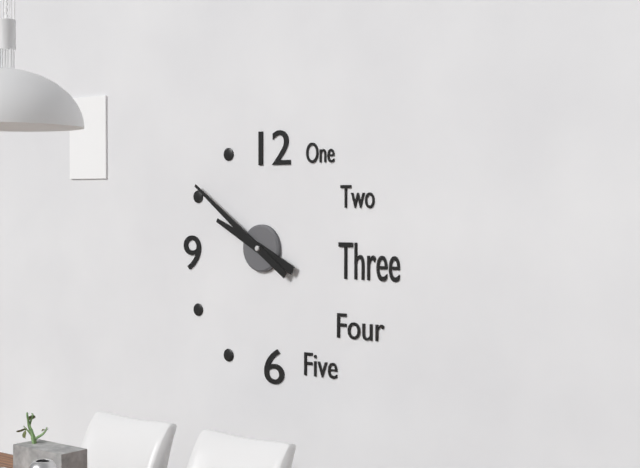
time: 9:51
